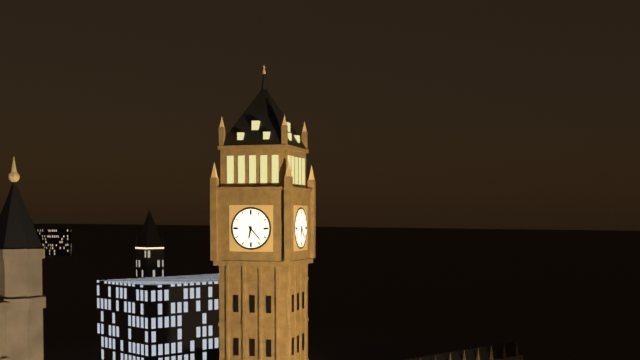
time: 6:23
